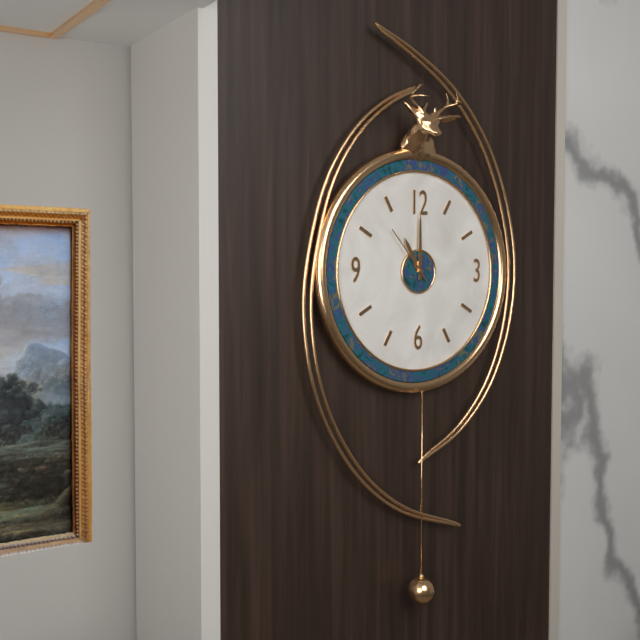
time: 11:00:53
